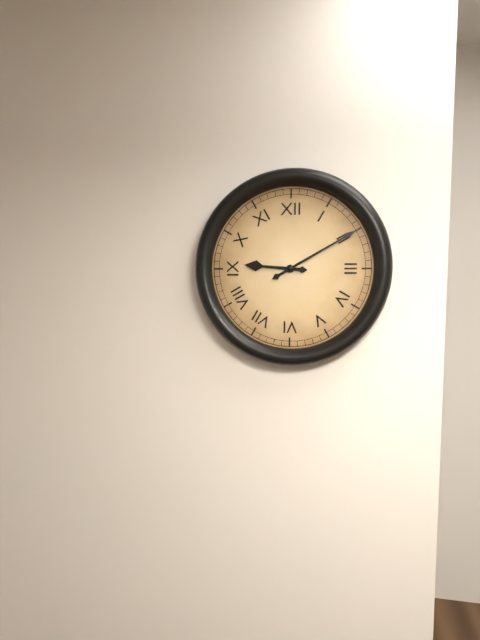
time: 9:10
